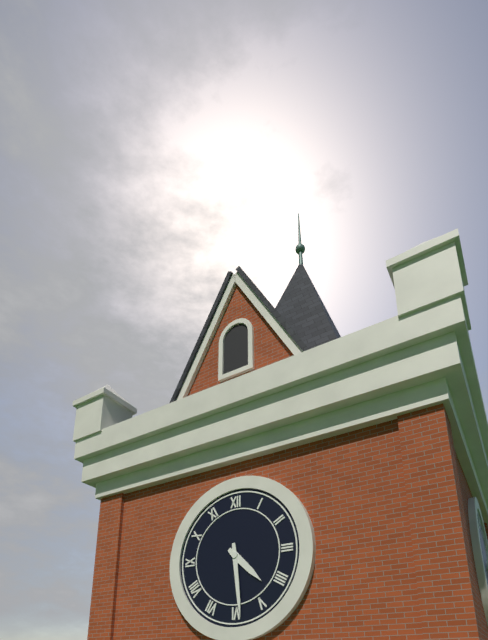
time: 4:29
